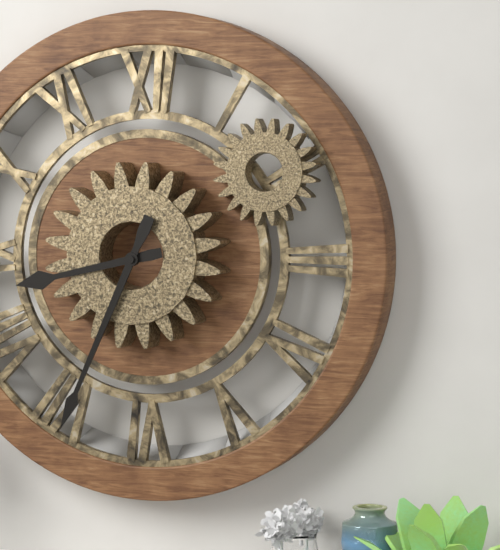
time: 8:34
